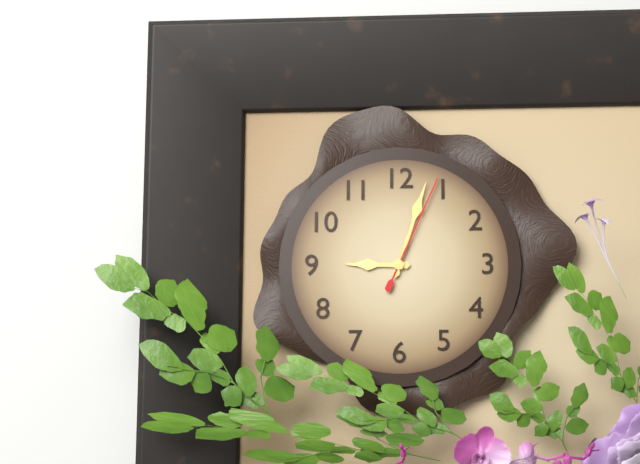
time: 9:03:04
